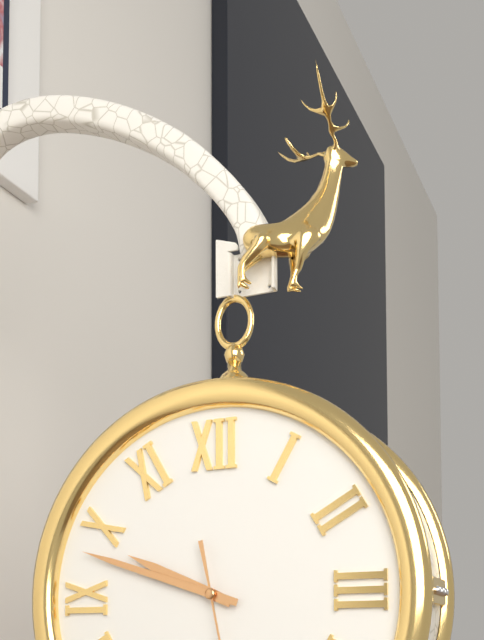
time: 9:48
